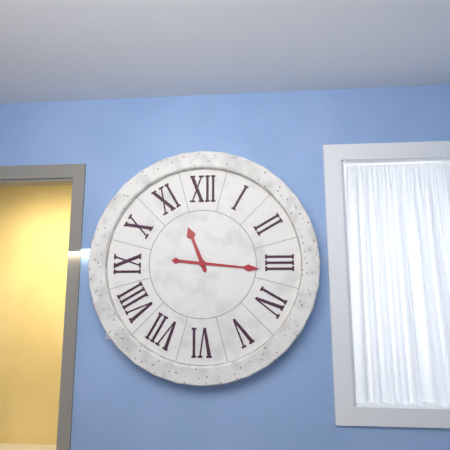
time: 11:16
